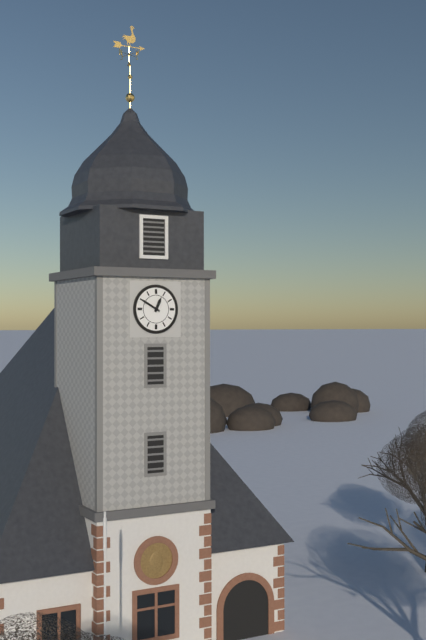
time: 12:50
